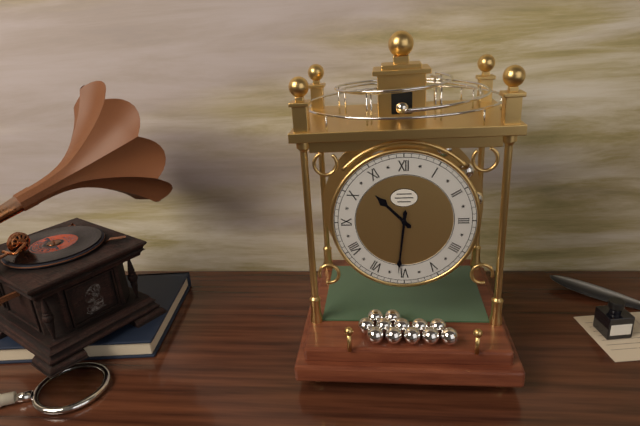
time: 10:31
